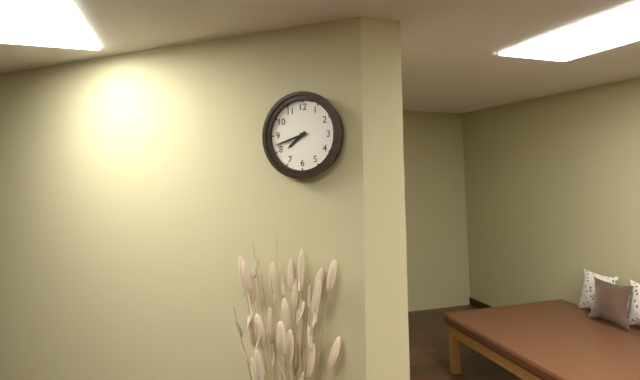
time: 7:42
